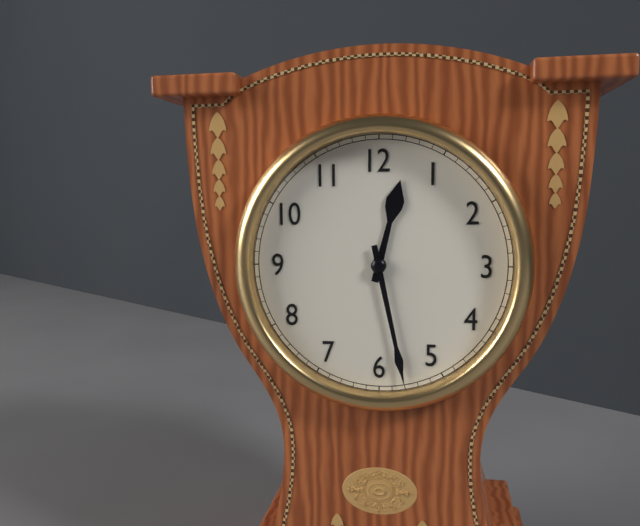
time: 12:28
